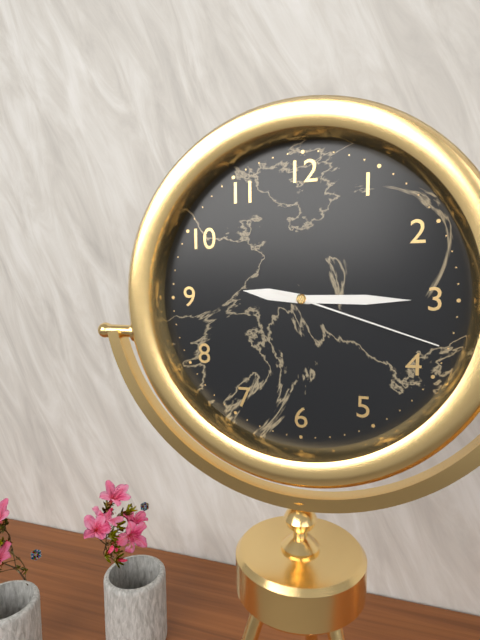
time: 9:15:18
